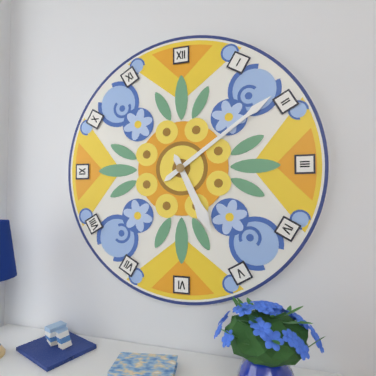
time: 5:09
